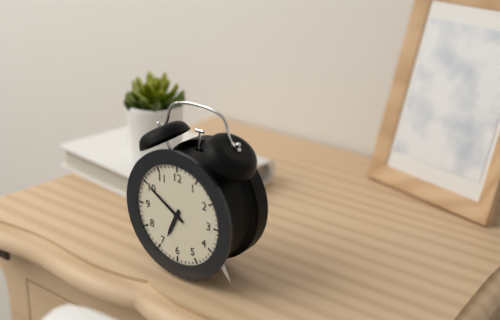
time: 6:50
